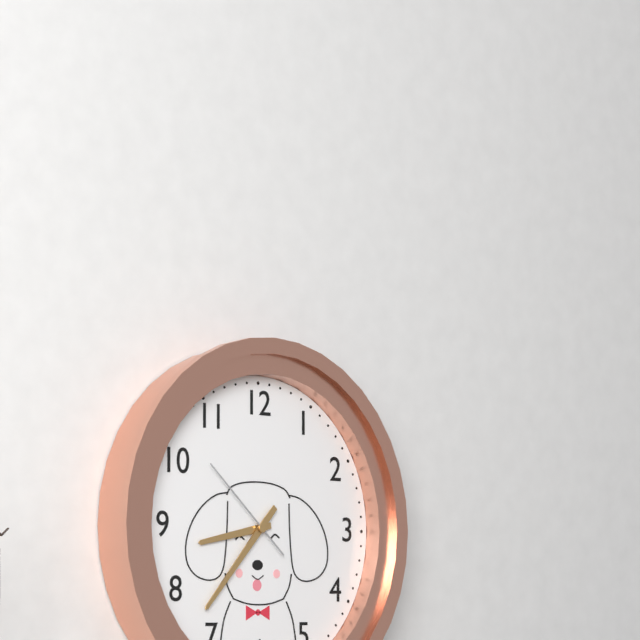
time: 8:37:52
